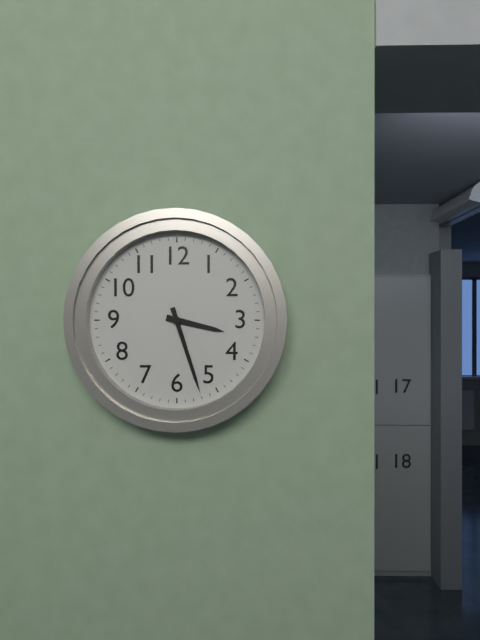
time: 3:27
